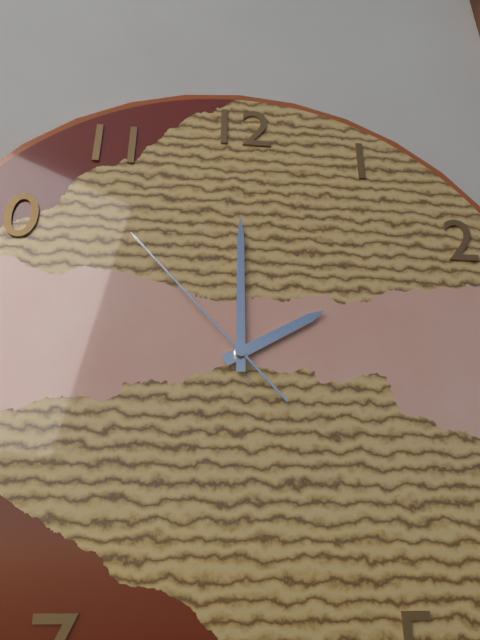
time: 2:00:53
